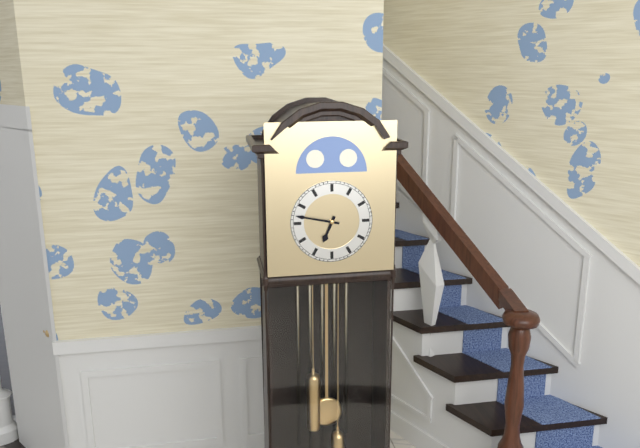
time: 6:47
